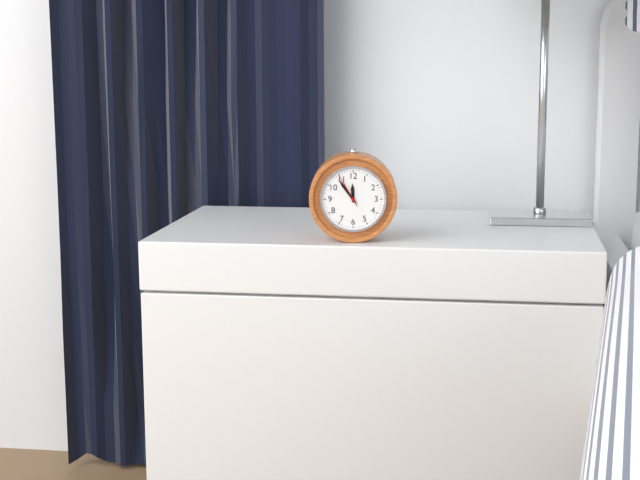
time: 11:54
